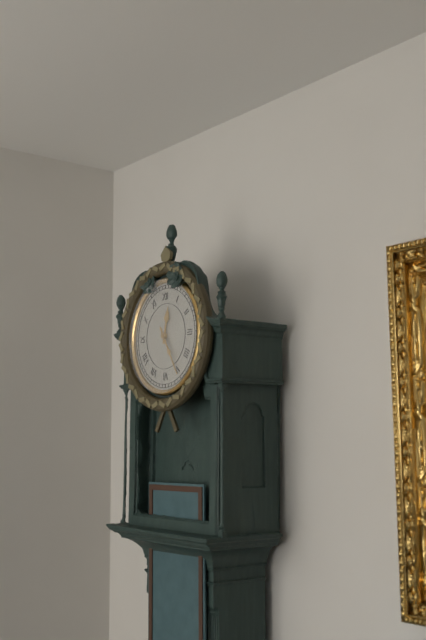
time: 12:25
